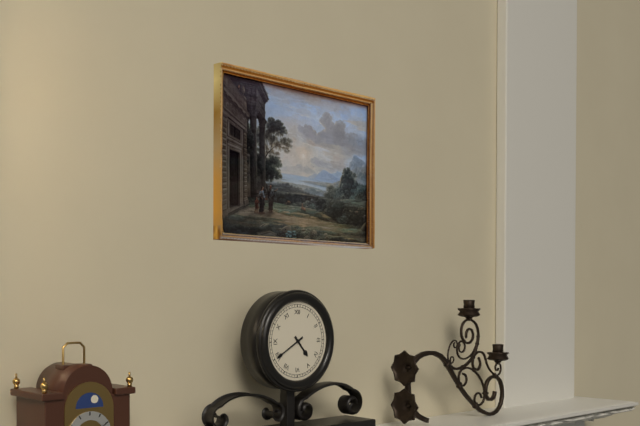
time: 4:40
